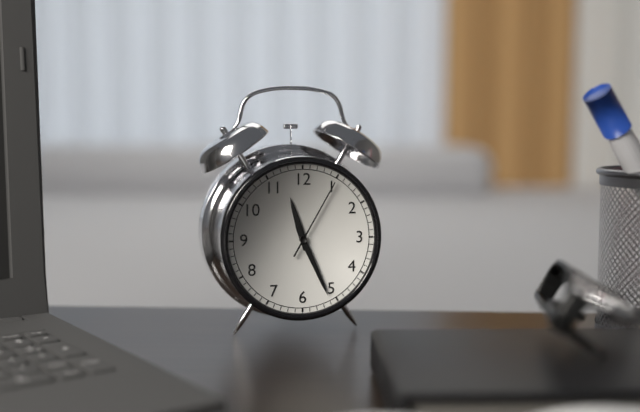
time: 11:26:05
